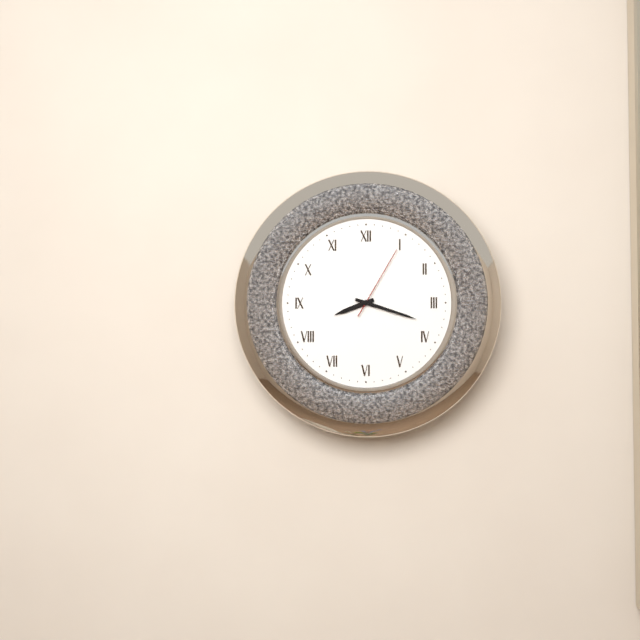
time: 8:18:05
